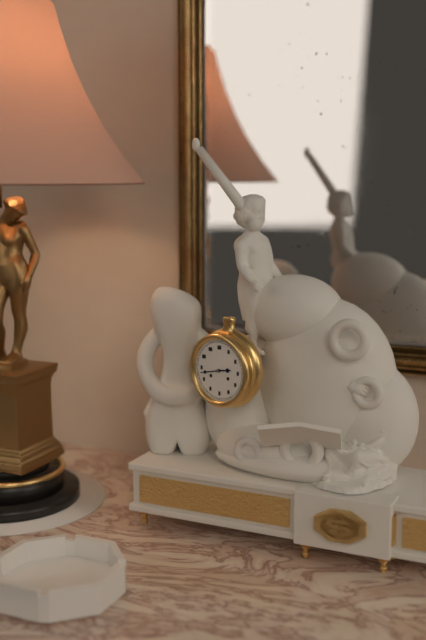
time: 2:43
